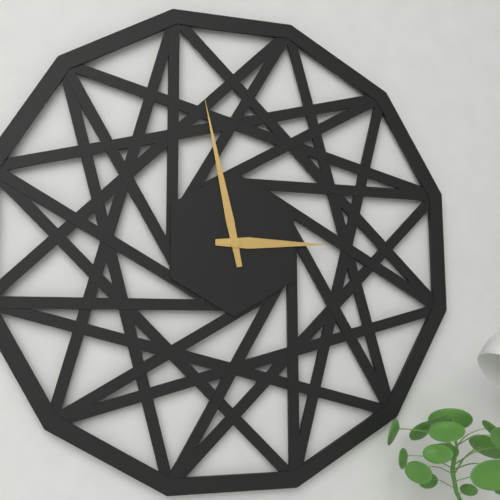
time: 2:58
